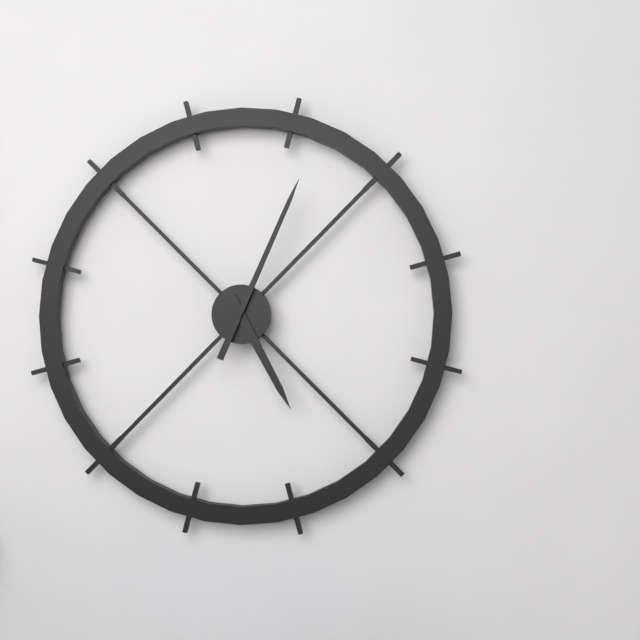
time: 5:04
